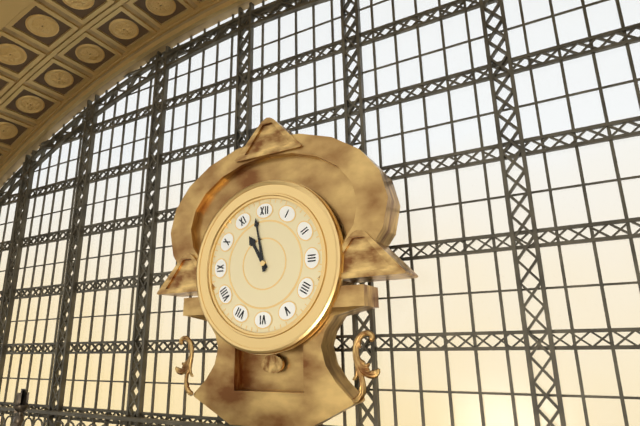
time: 10:58
